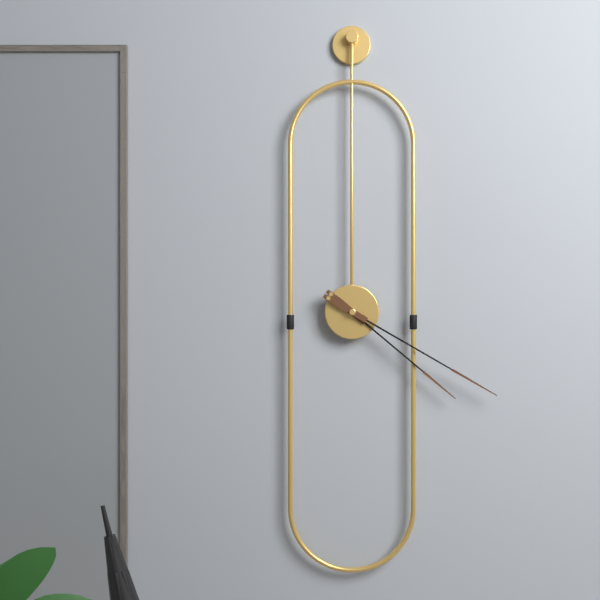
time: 4:20
